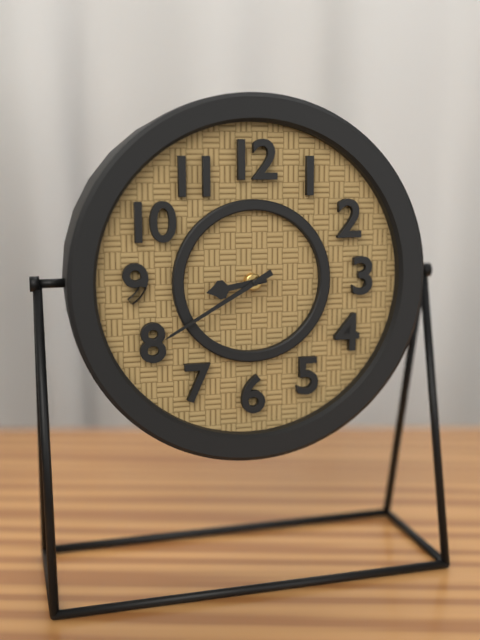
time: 8:40
